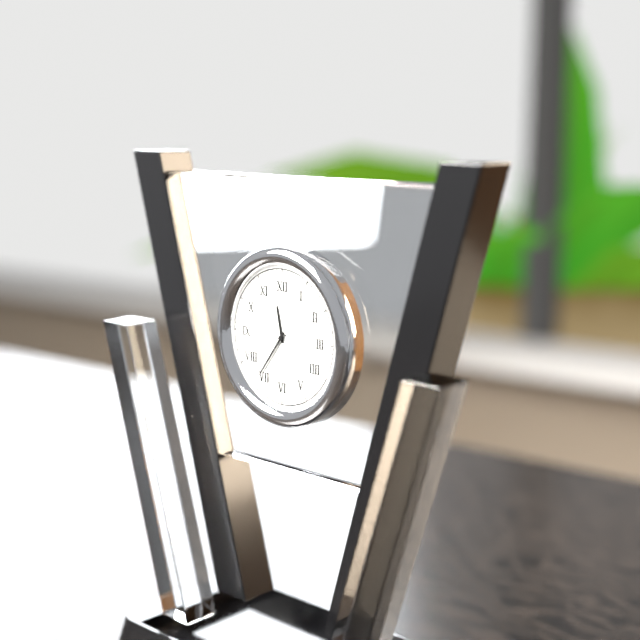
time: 11:36:11
